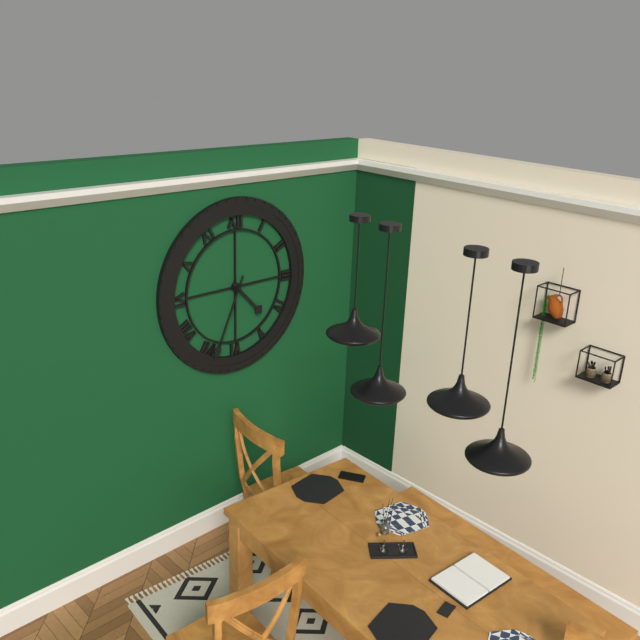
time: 4:34
